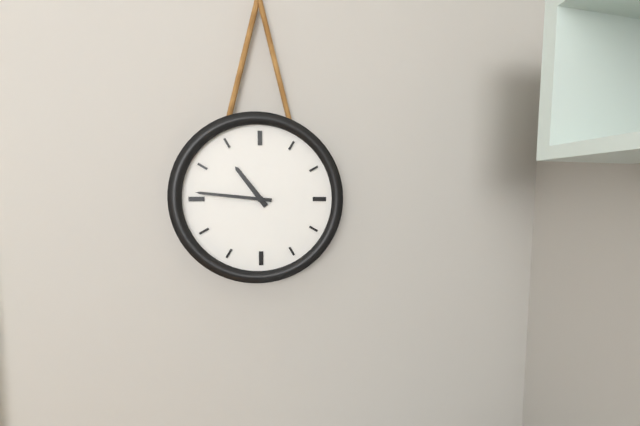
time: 10:46
